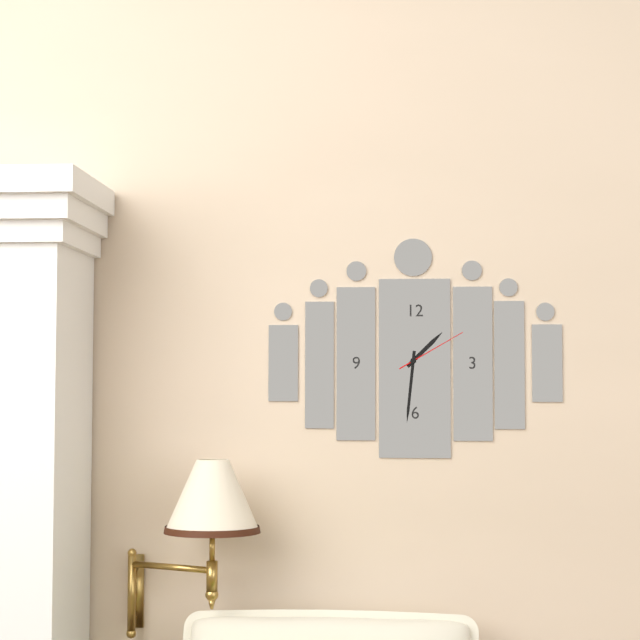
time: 1:31:10
